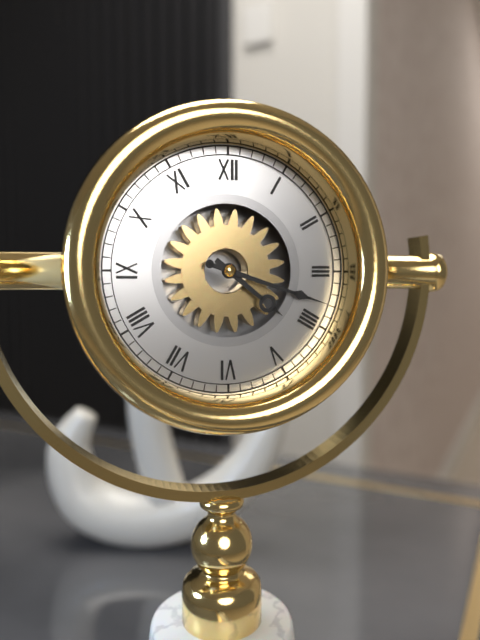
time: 4:18
